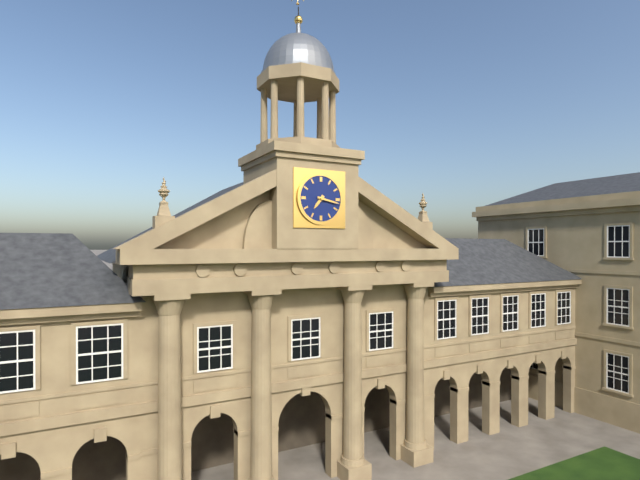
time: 7:17
